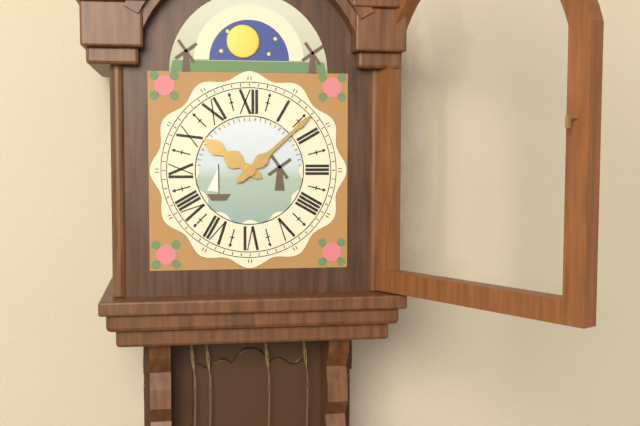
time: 10:08
